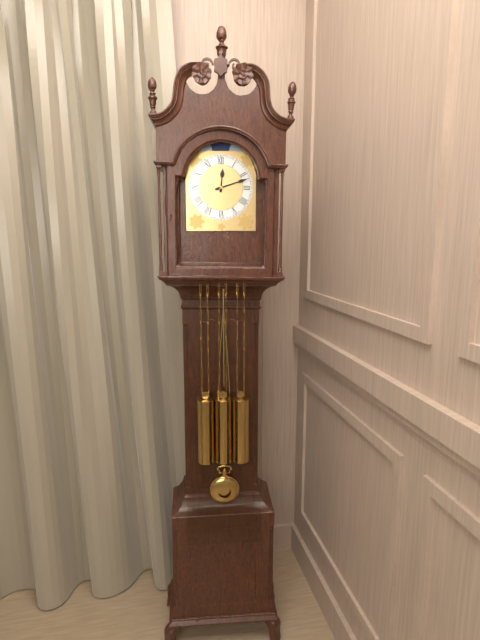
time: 12:12
